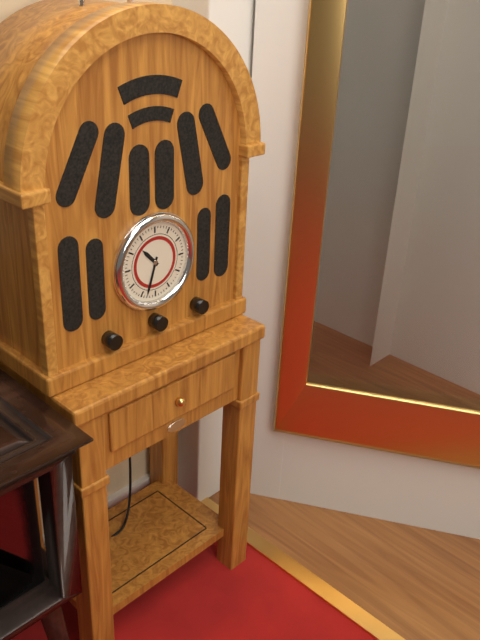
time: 10:33
